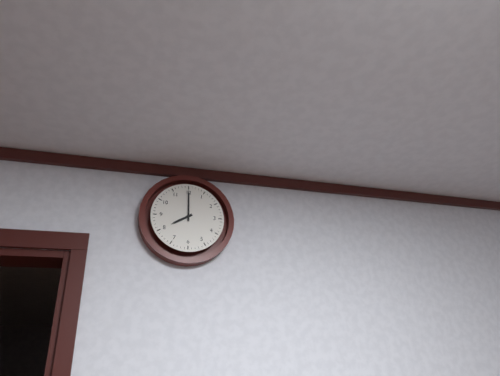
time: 8:00
